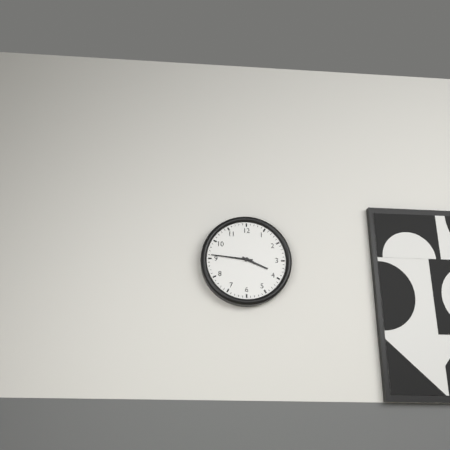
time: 3:46
